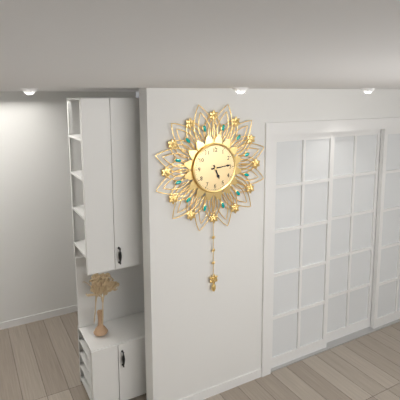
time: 5:14
